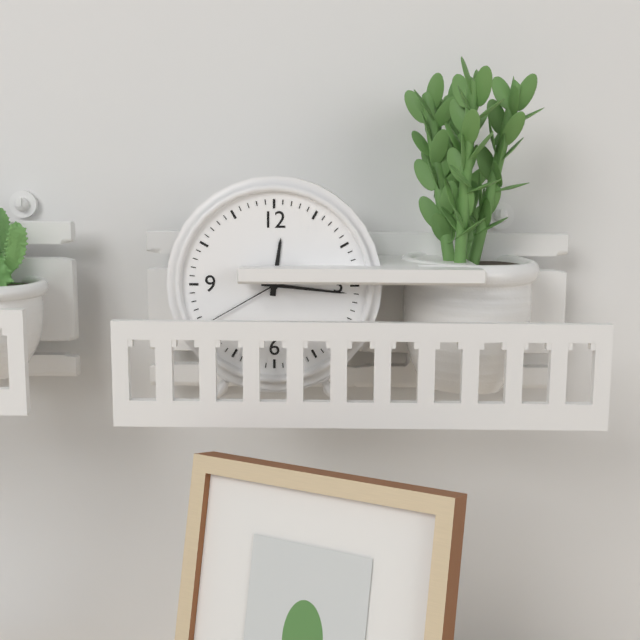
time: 12:16:40
